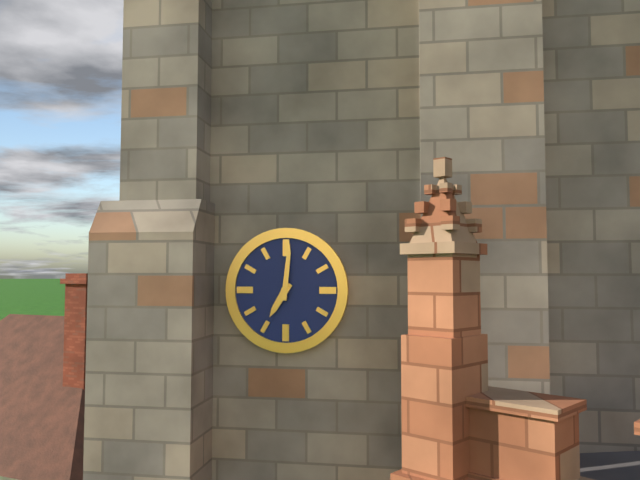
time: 7:01
